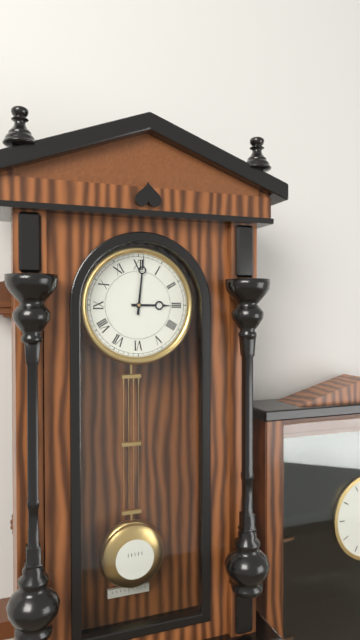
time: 3:01
